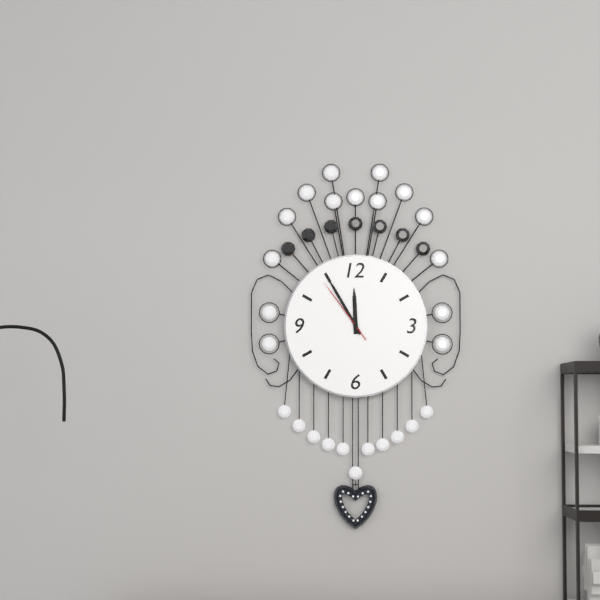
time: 11:55:54
